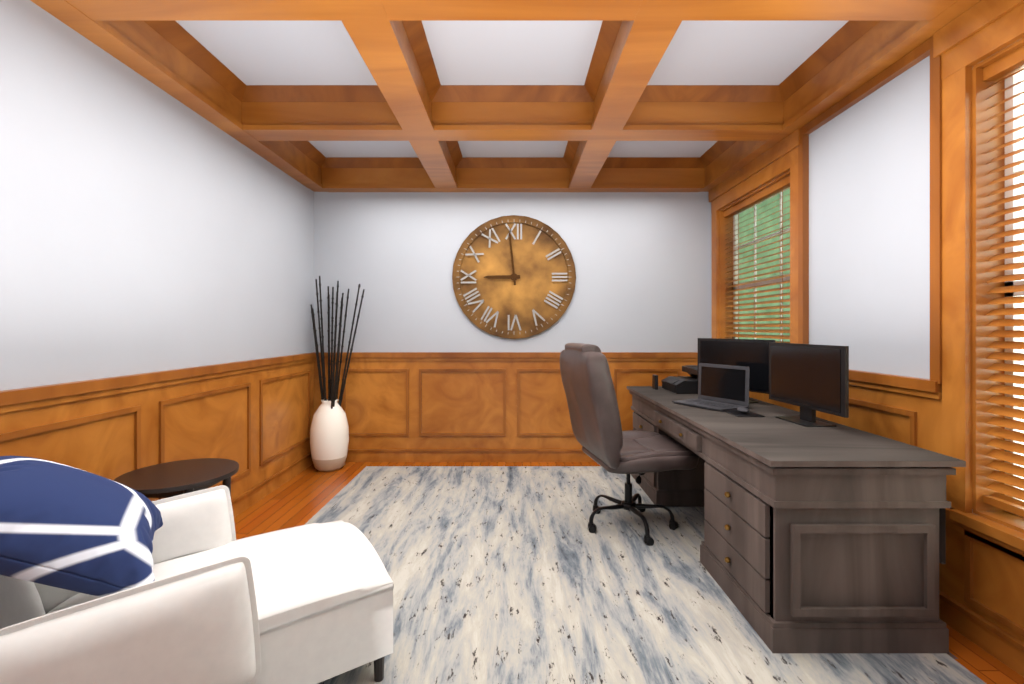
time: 8:59
